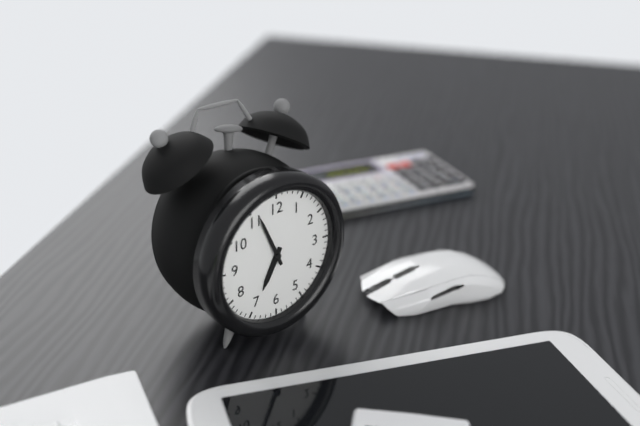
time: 6:56
